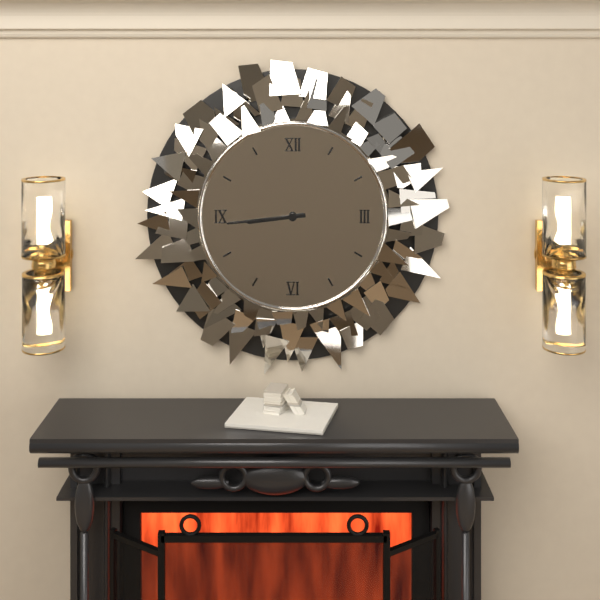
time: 8:44
